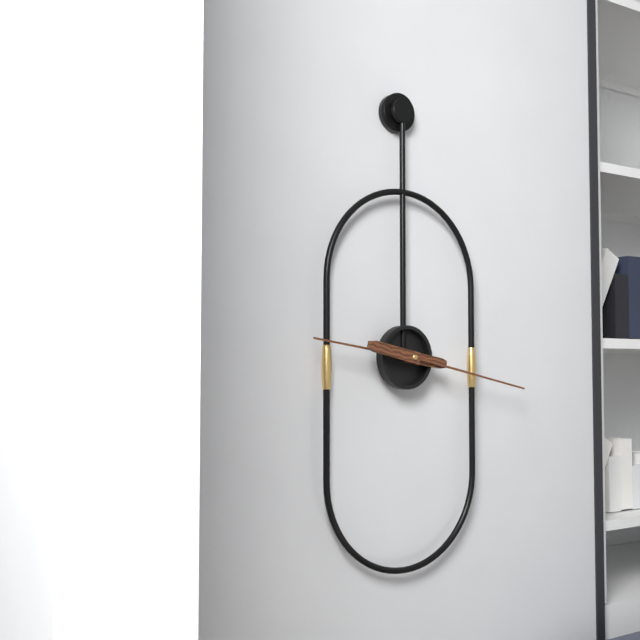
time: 9:17
